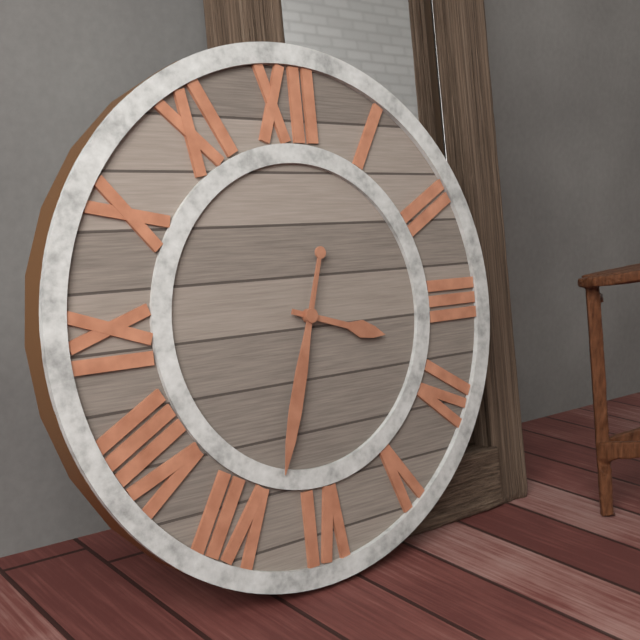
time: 3:33
